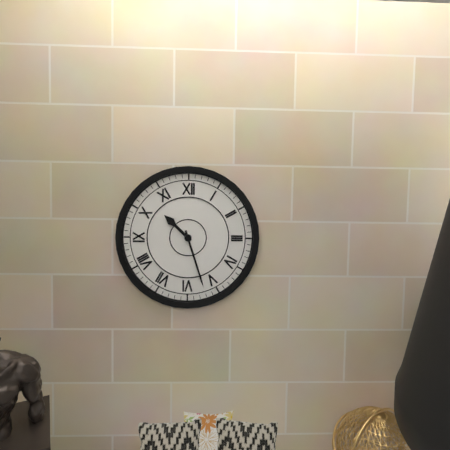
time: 10:27
